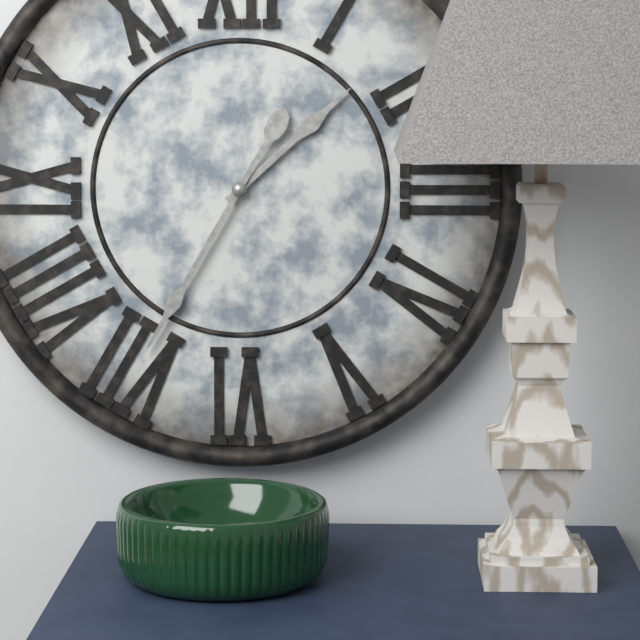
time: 1:35
